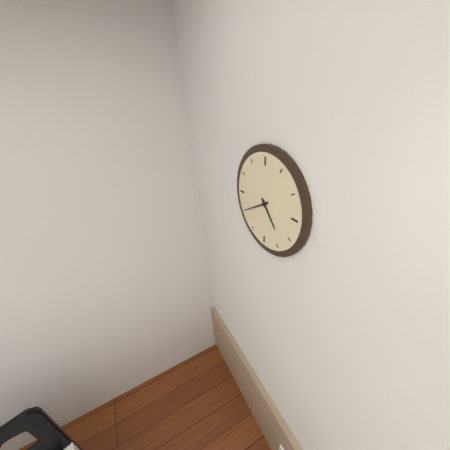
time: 4:40
